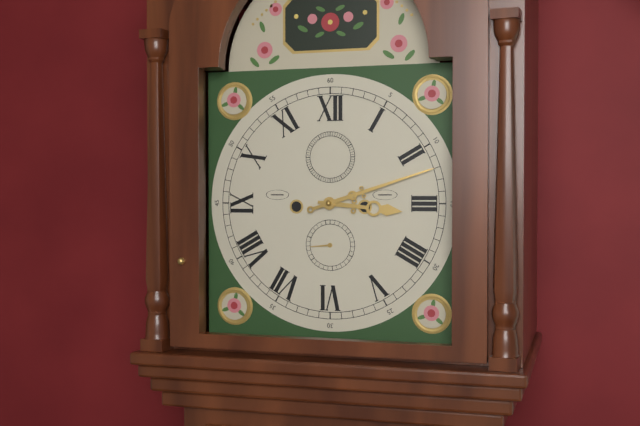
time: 3:12
